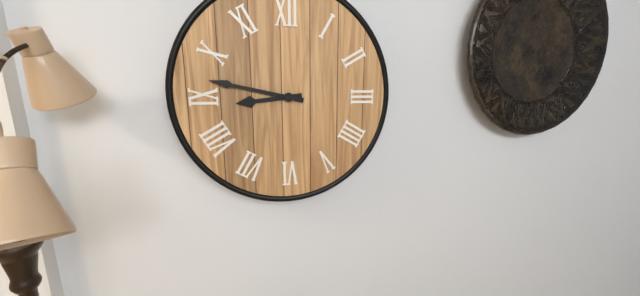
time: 8:47
